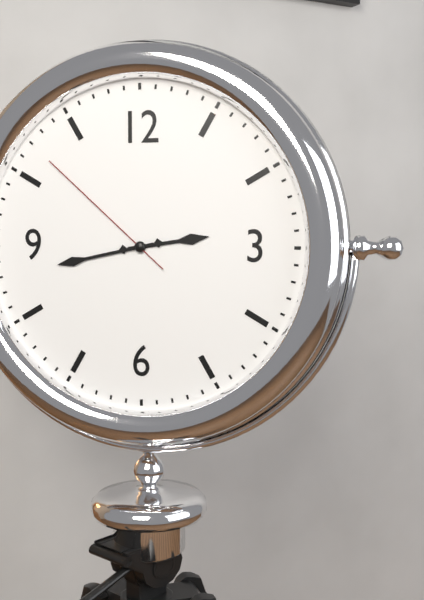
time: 2:43:52
